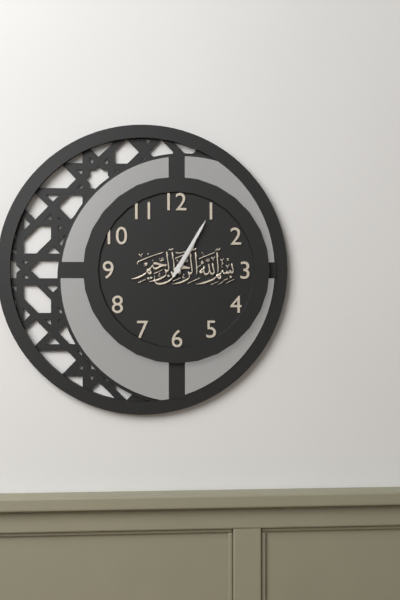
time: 1:05
